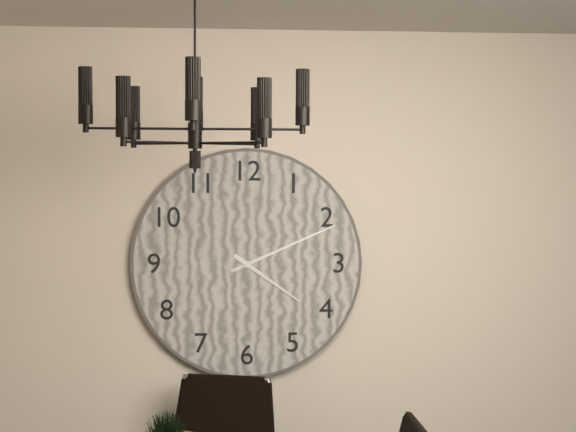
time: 4:11
